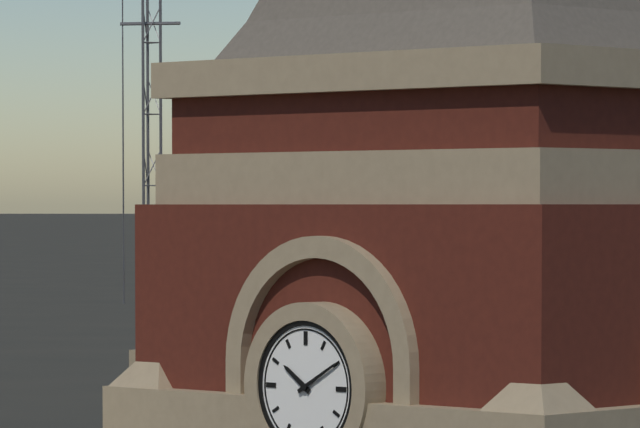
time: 10:10
